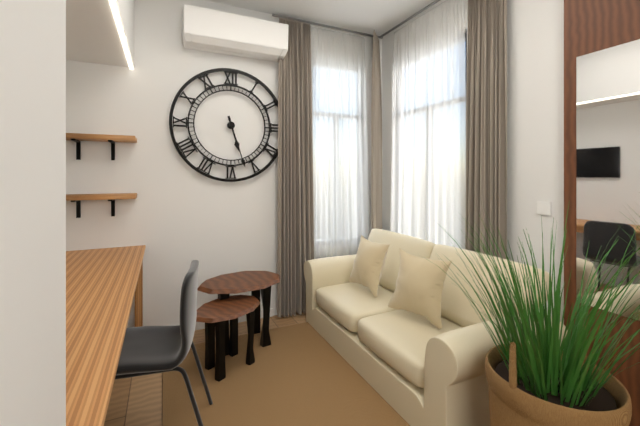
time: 5:27
